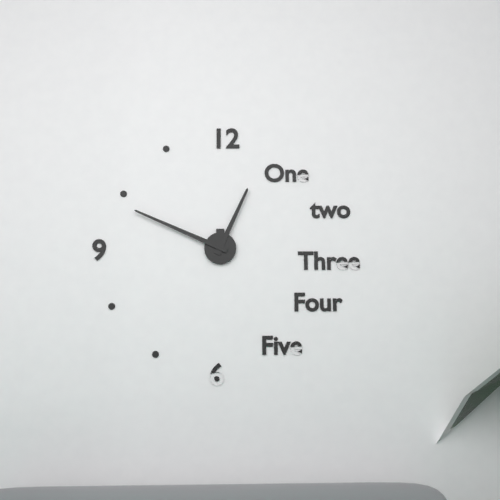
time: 12:49
